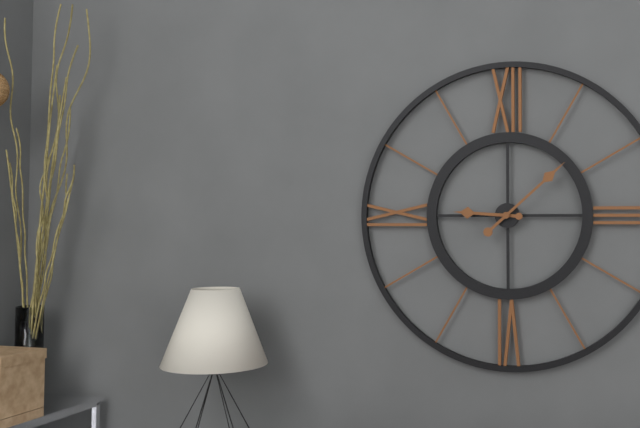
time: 9:08
